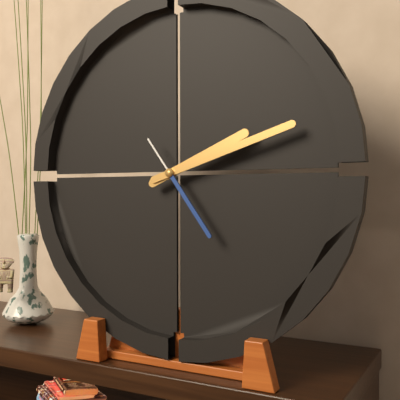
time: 2:12:24
